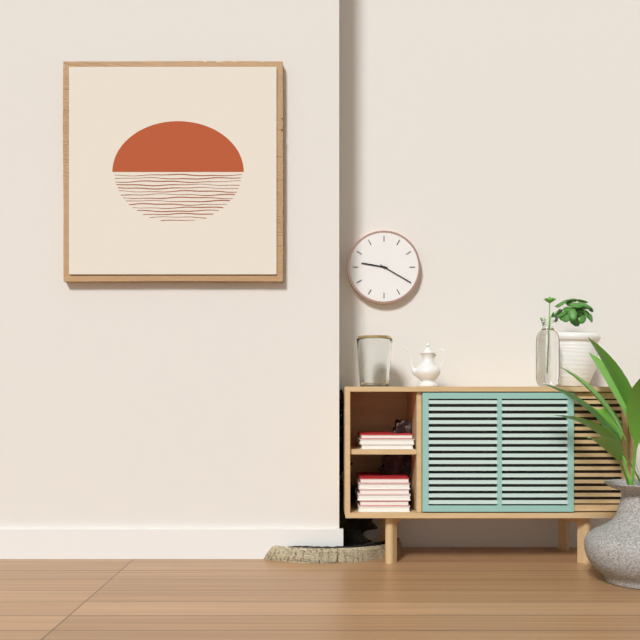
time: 9:20
